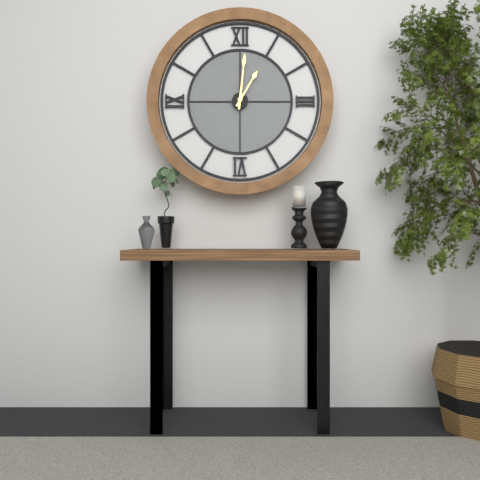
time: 1:01
